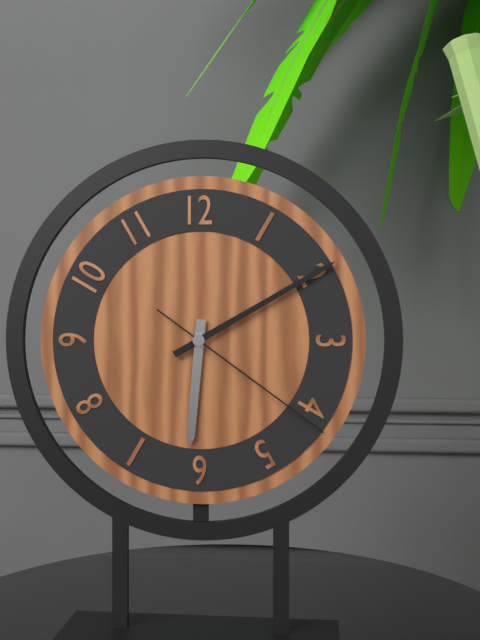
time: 6:10:21
